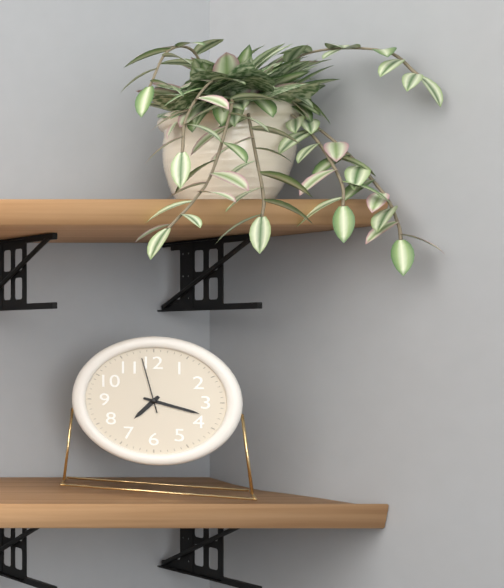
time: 7:18:58
